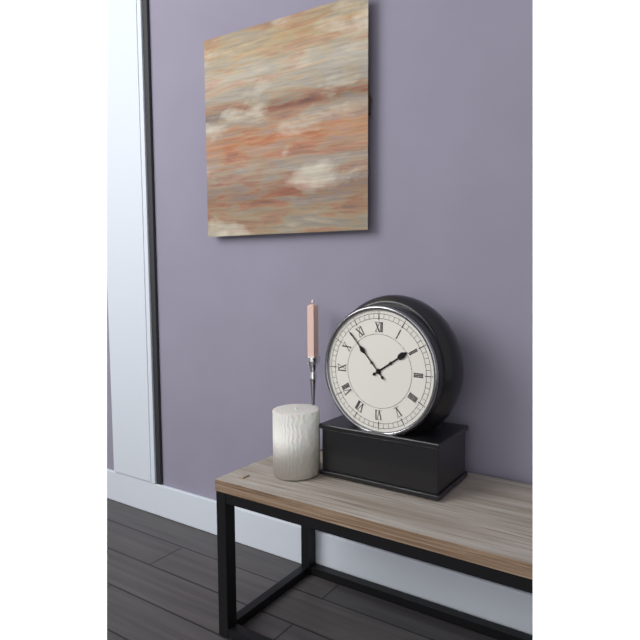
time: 1:53
